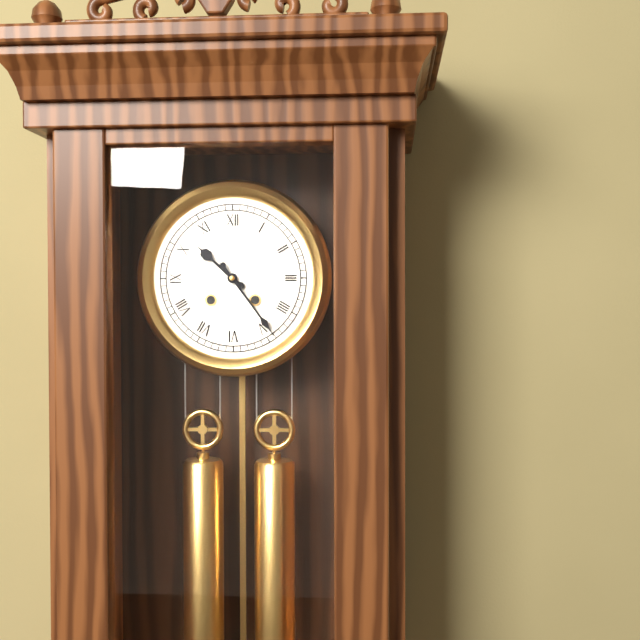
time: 10:24
